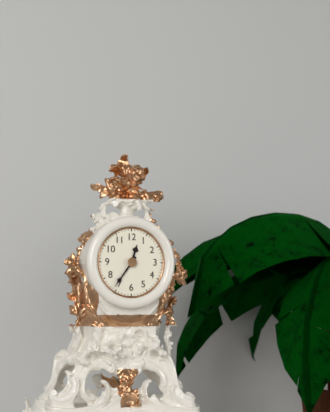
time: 12:36
